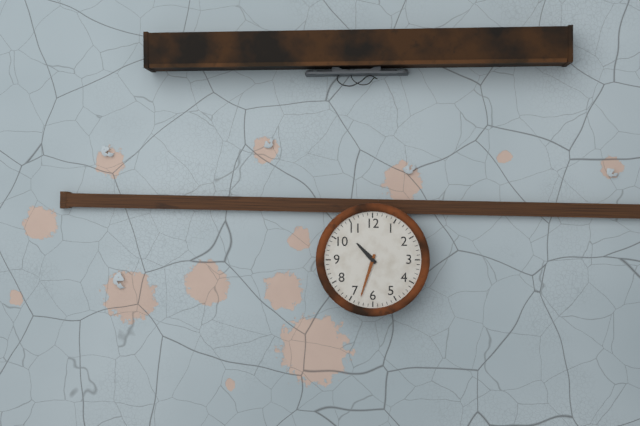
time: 10:33
